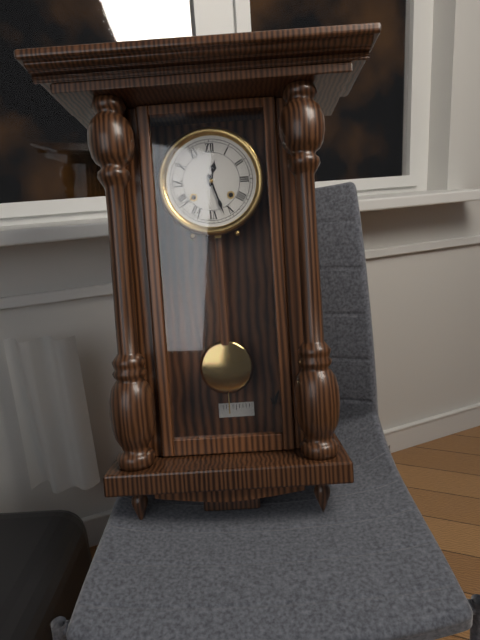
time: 12:27
